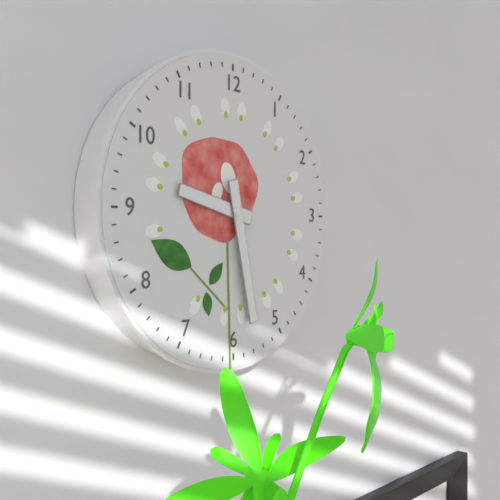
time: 9:28
